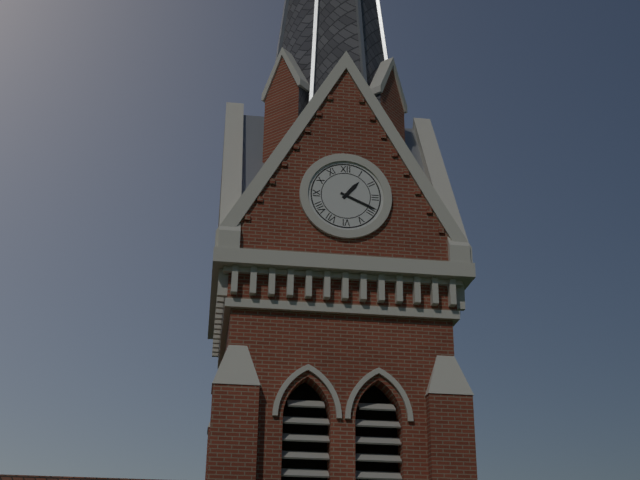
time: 1:19
